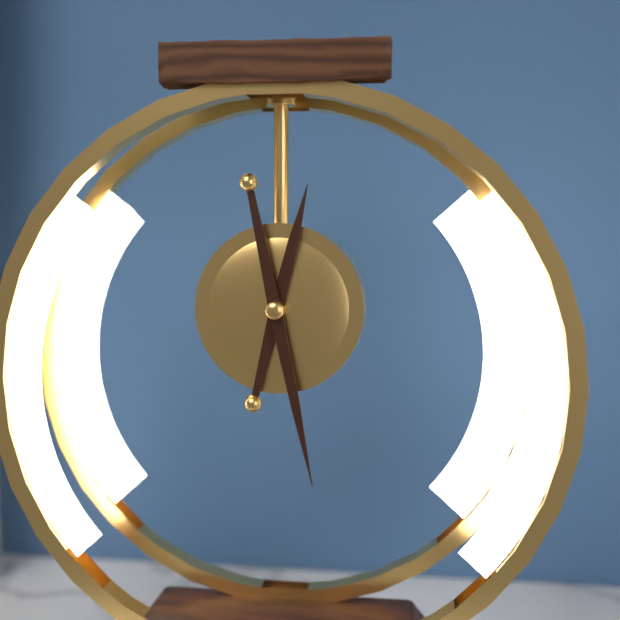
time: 12:28
